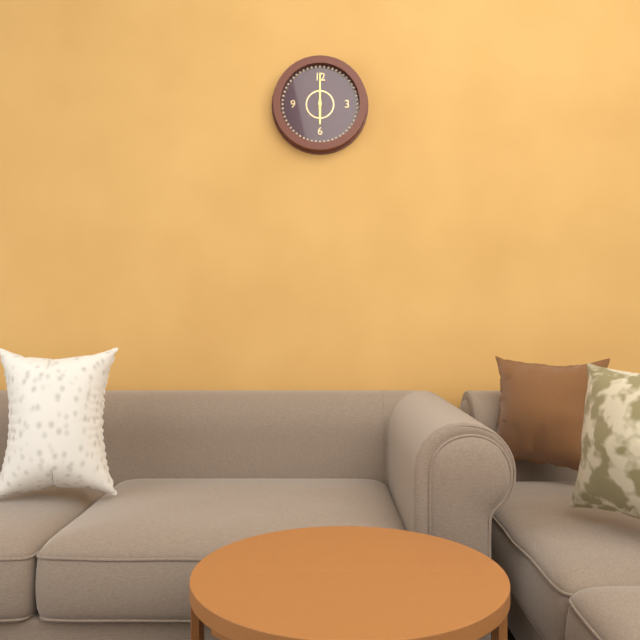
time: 6:00
